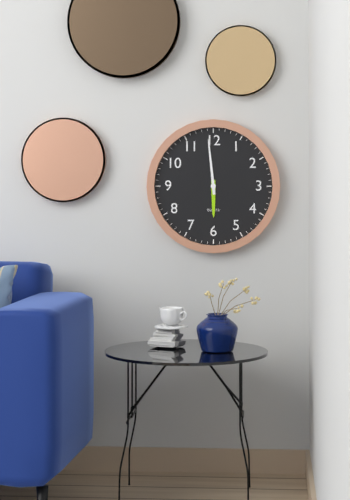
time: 5:59
